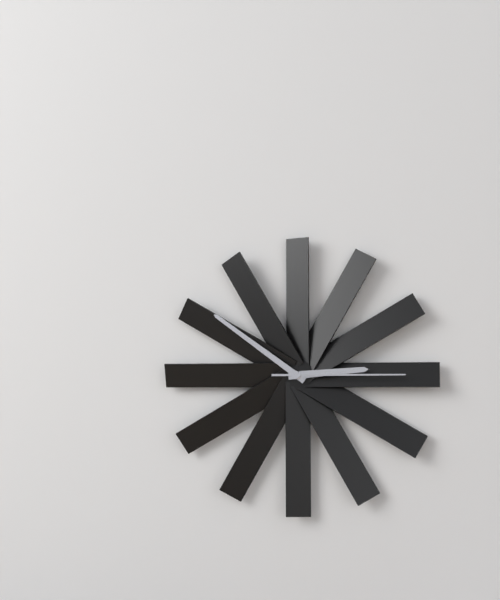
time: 2:51:15
